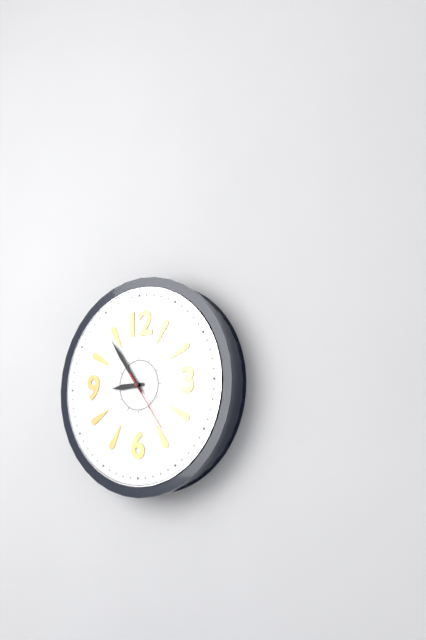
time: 8:54:24
